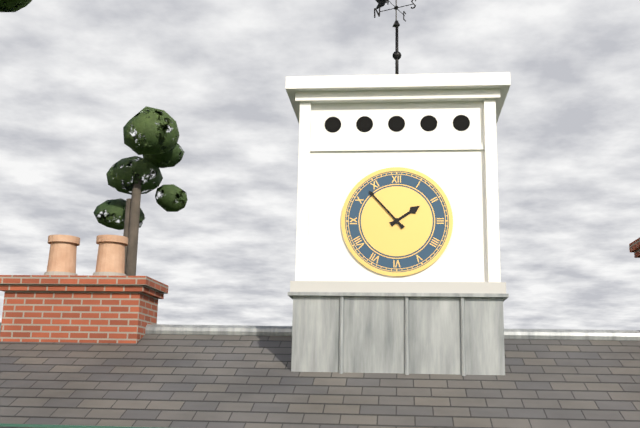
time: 1:53
